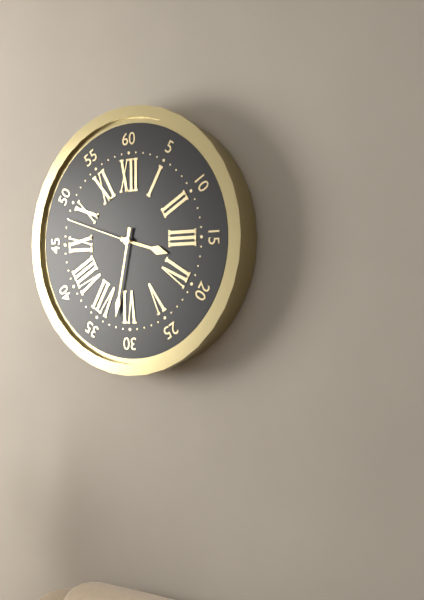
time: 3:32:48
